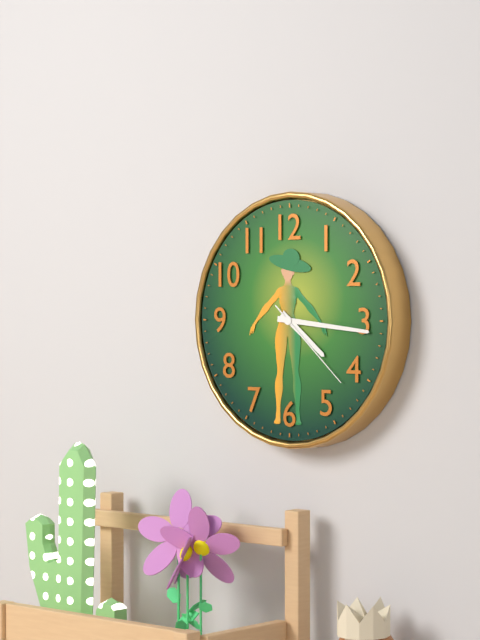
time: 4:16:22
